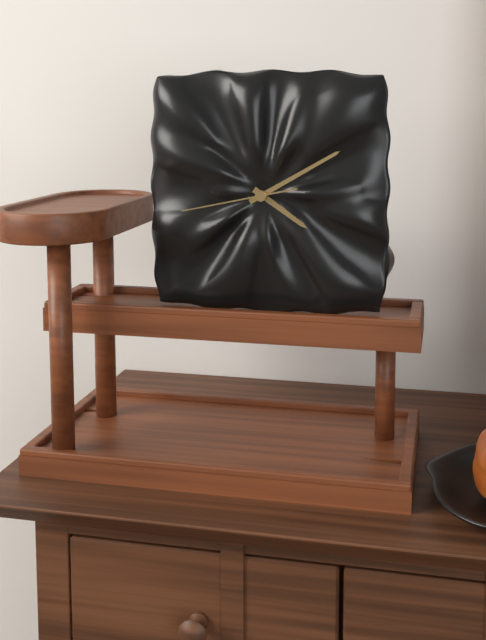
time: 4:10:43
